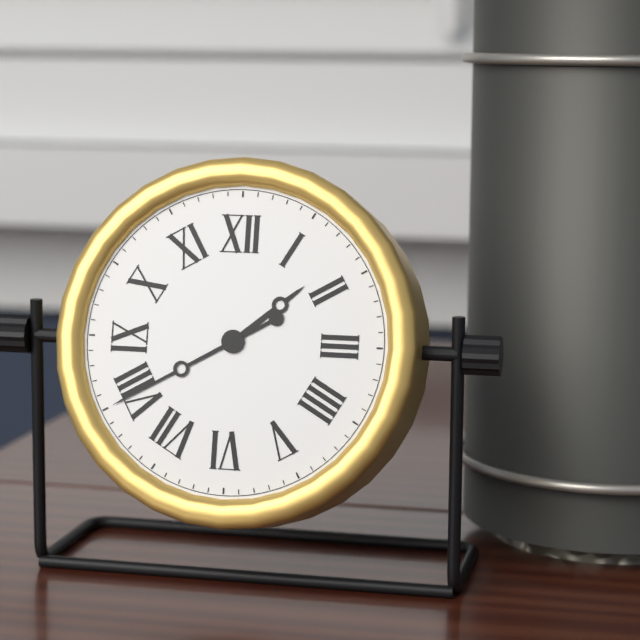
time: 1:40
